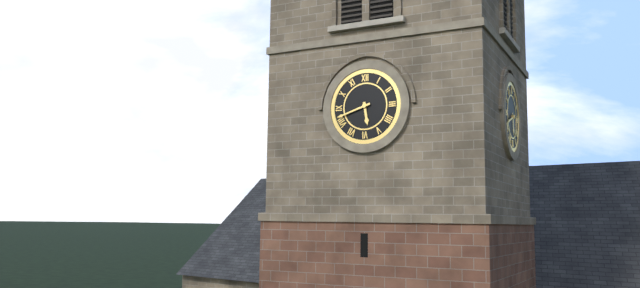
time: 5:42
